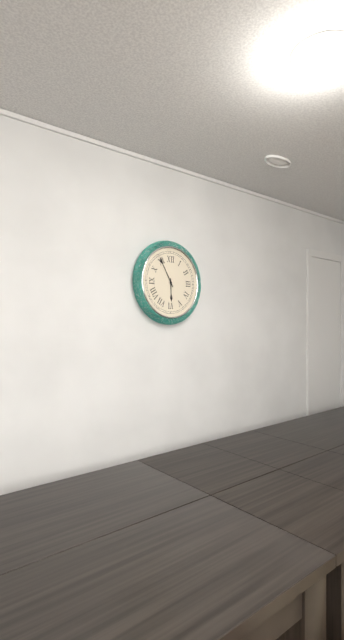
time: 5:55
